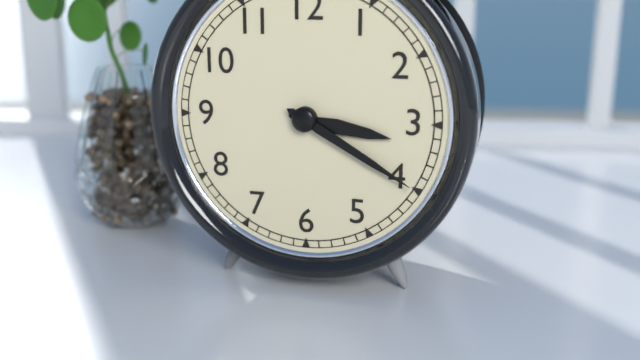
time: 3:20
